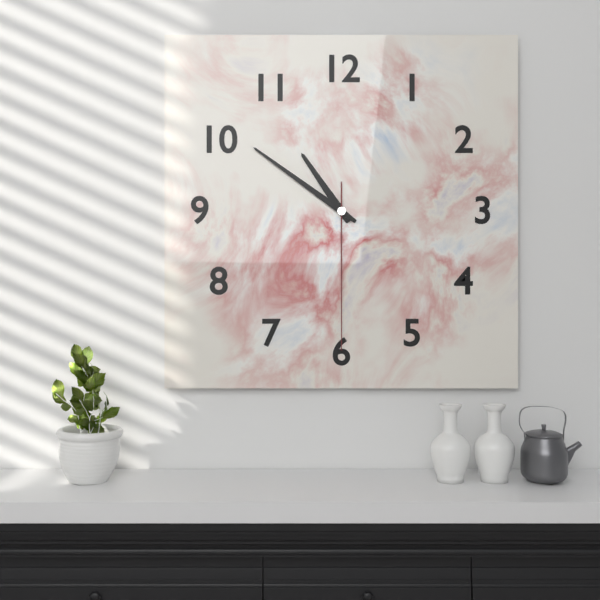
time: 10:51:30
